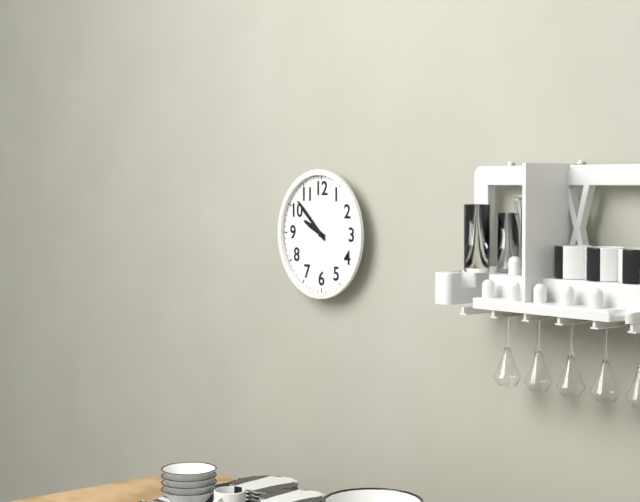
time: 9:52
